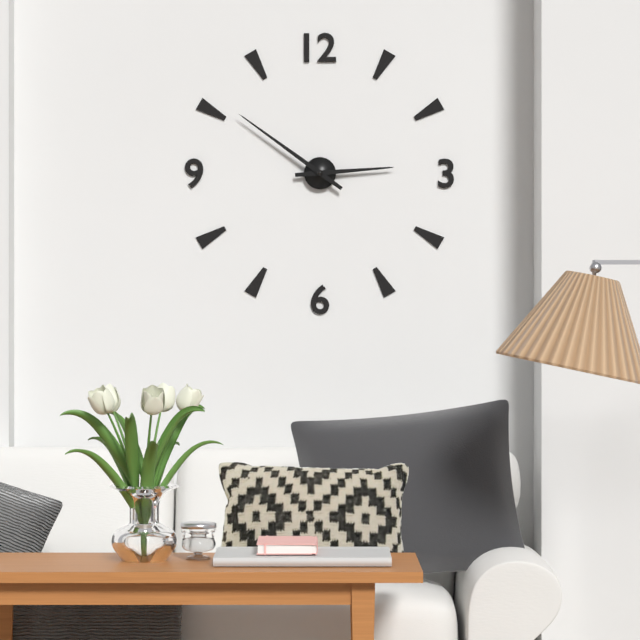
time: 2:51
